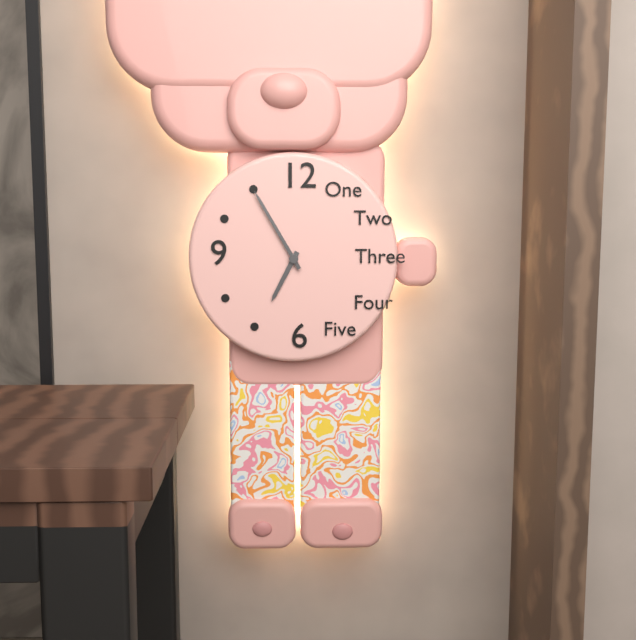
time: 6:55
